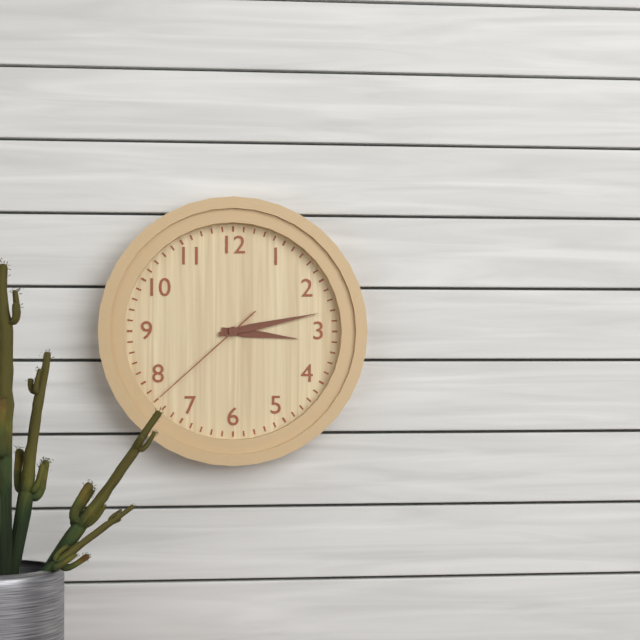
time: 3:13:38
